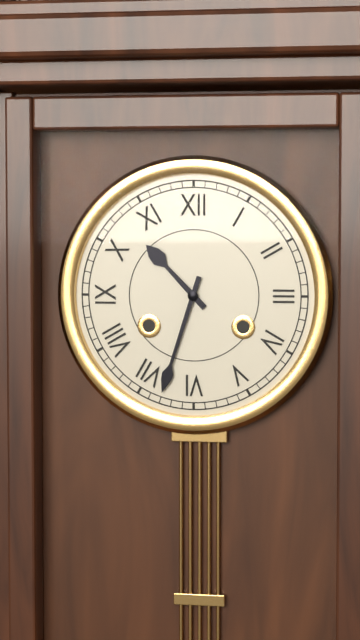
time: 10:33
